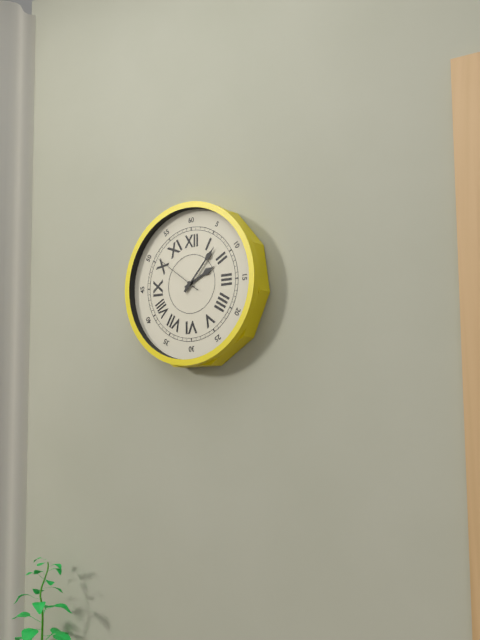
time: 2:07
